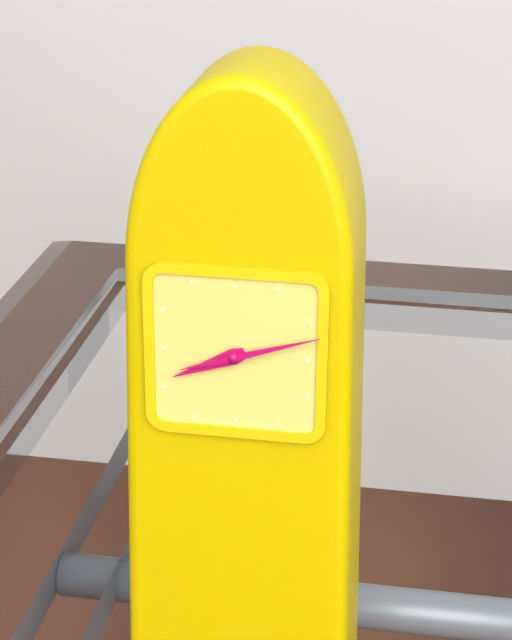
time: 8:12
